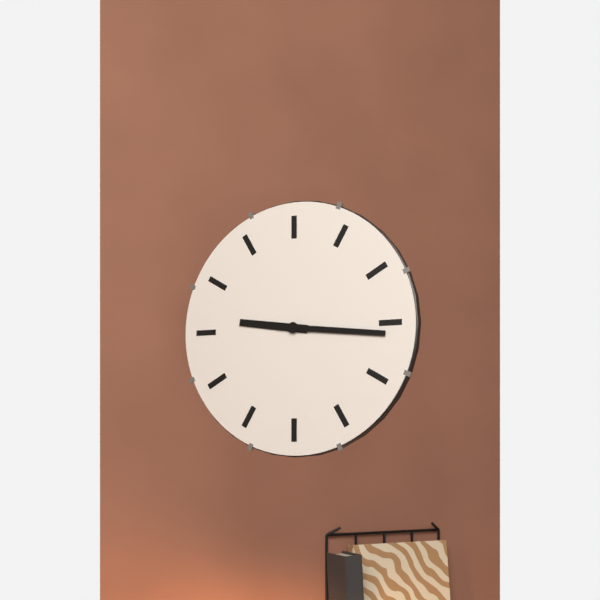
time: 9:16
